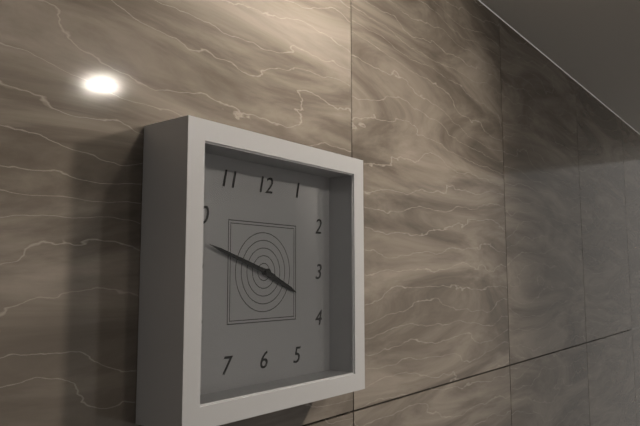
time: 3:48
